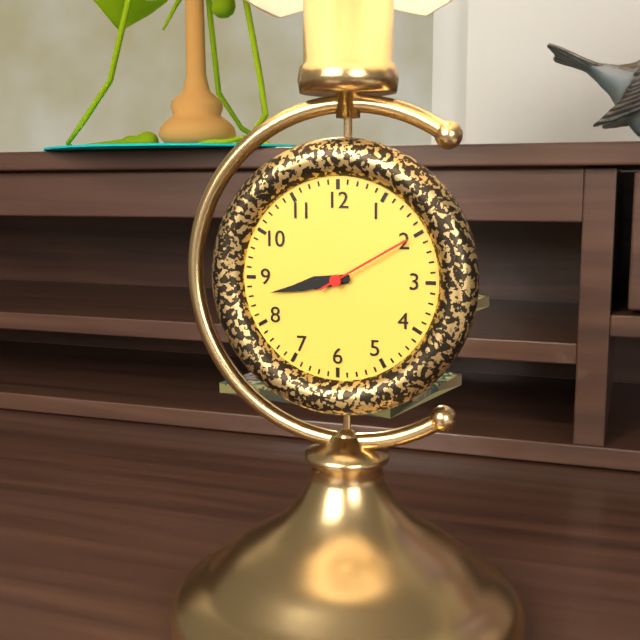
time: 8:43:10
